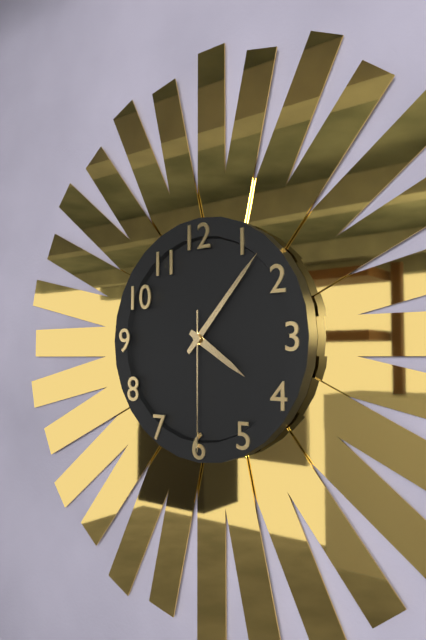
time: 4:07:30
